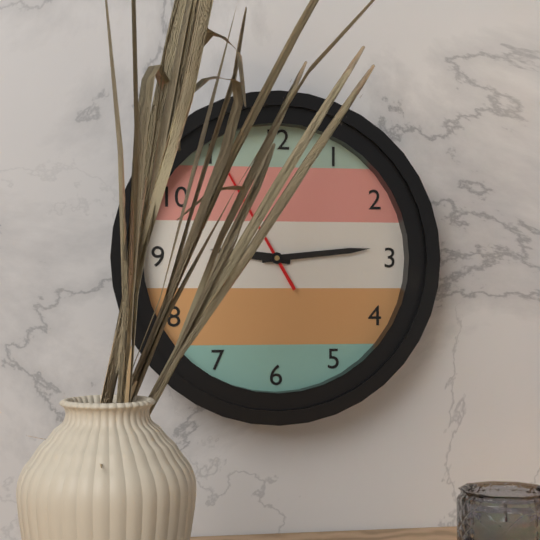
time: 9:14:55
